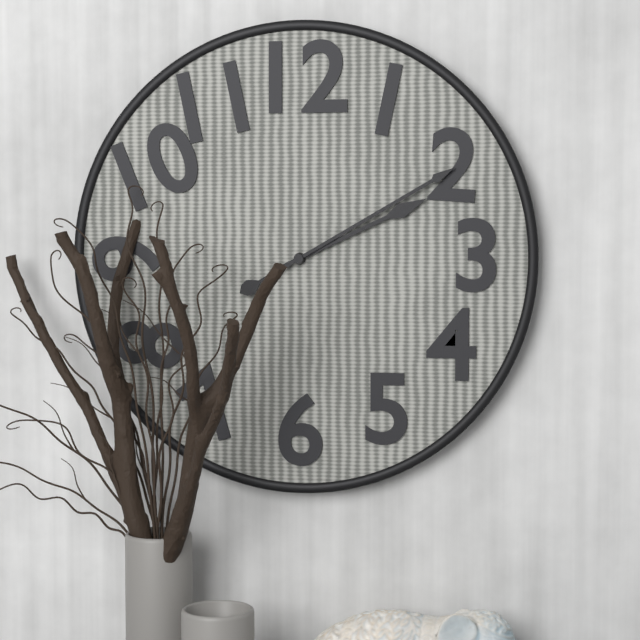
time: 2:10
